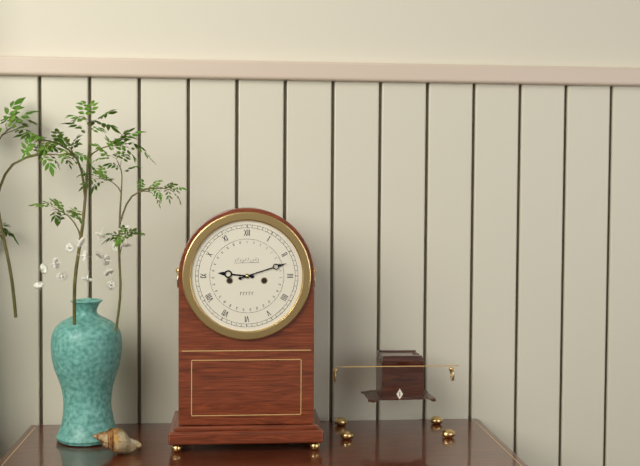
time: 9:12
